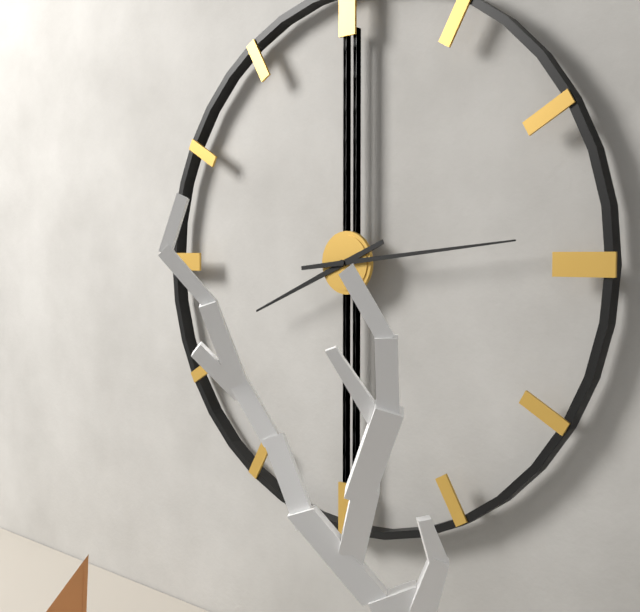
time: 8:14
